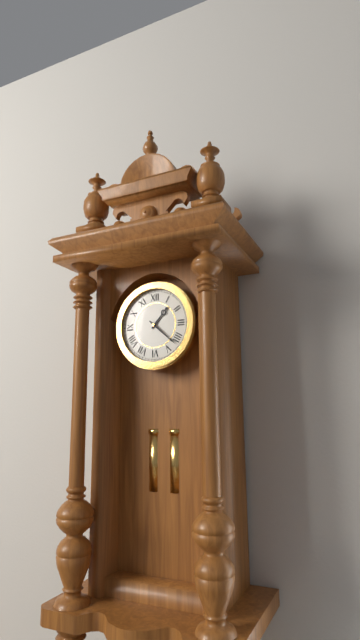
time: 1:22
